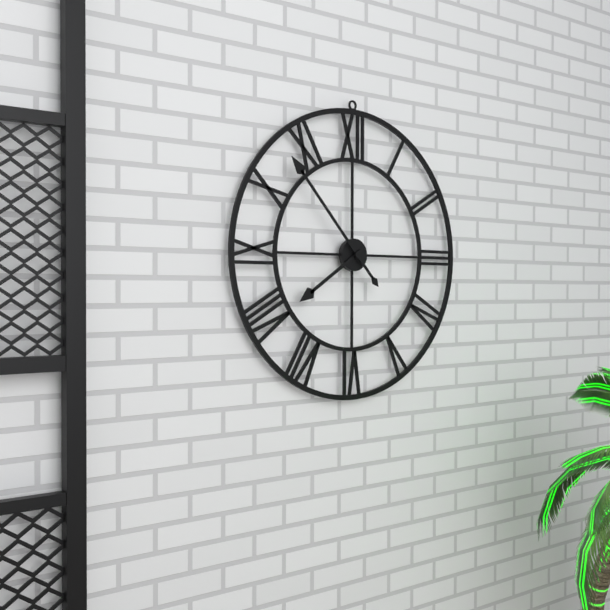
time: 7:53
